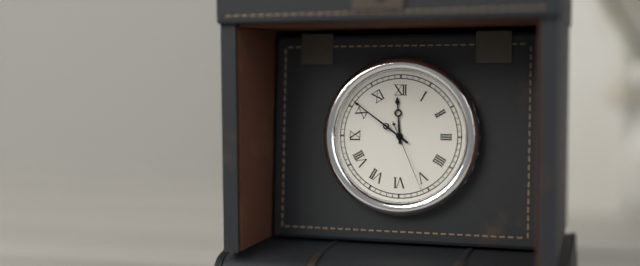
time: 11:51:26
